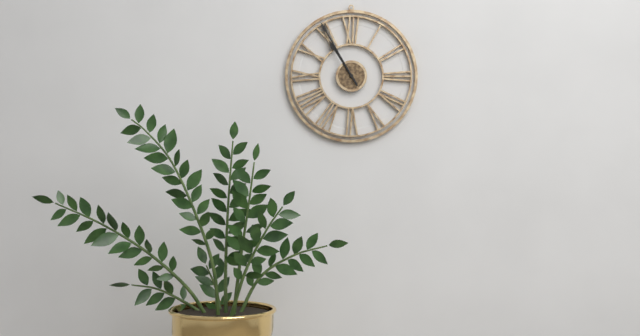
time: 10:55
